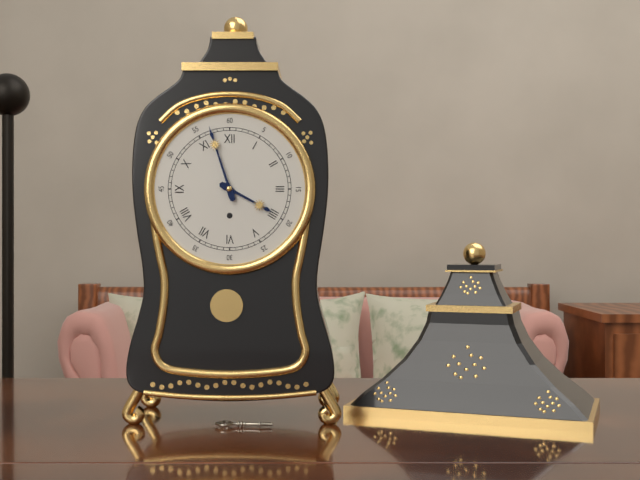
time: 3:57
